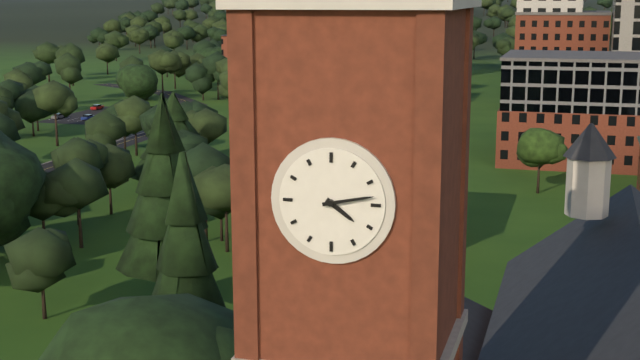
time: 4:13
